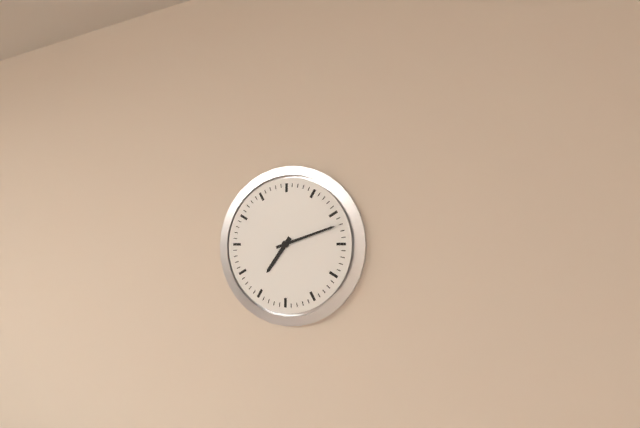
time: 7:12
